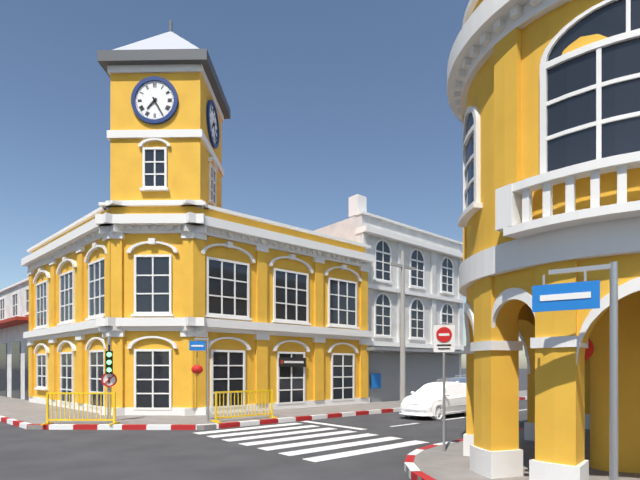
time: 7:25
